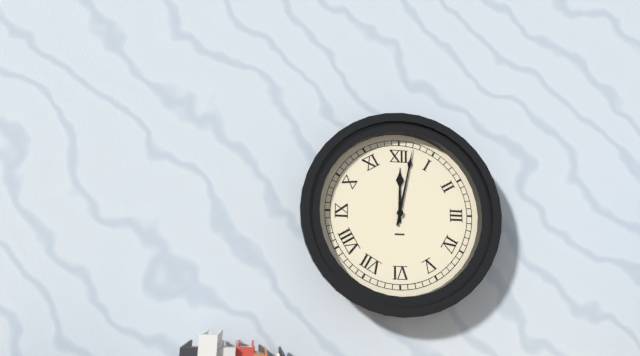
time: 12:02
